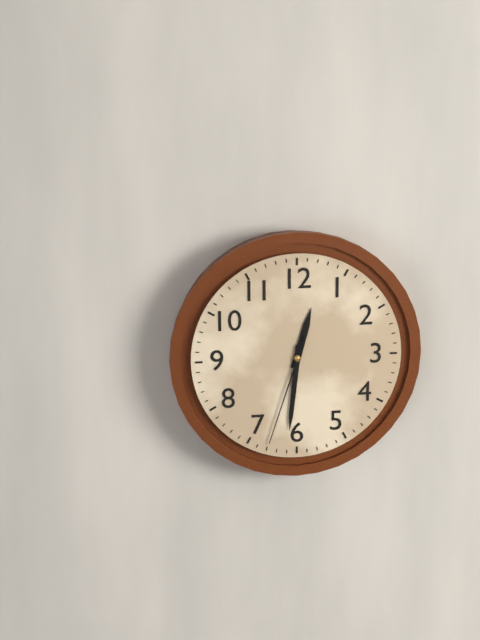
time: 12:31:33
